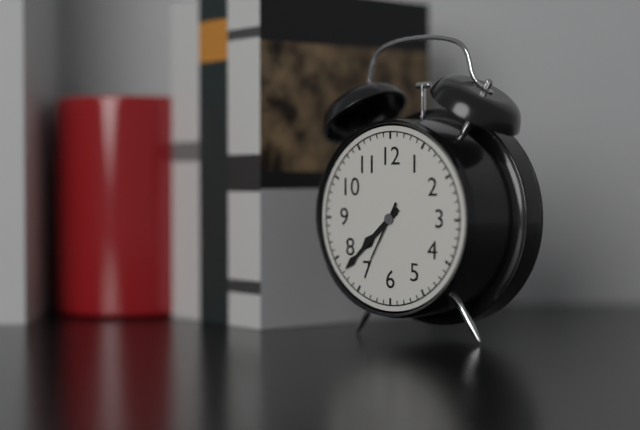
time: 7:38:35
